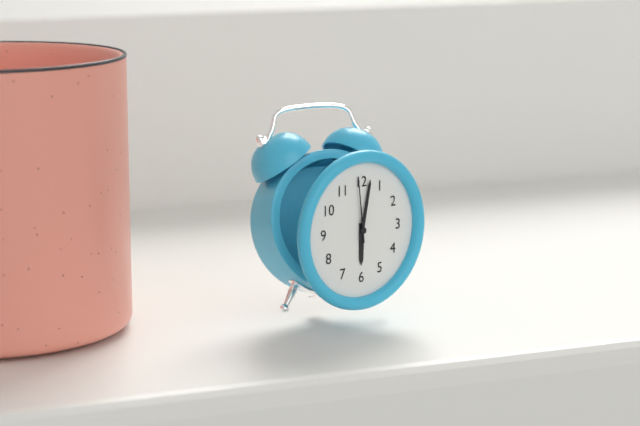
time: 6:02:59
